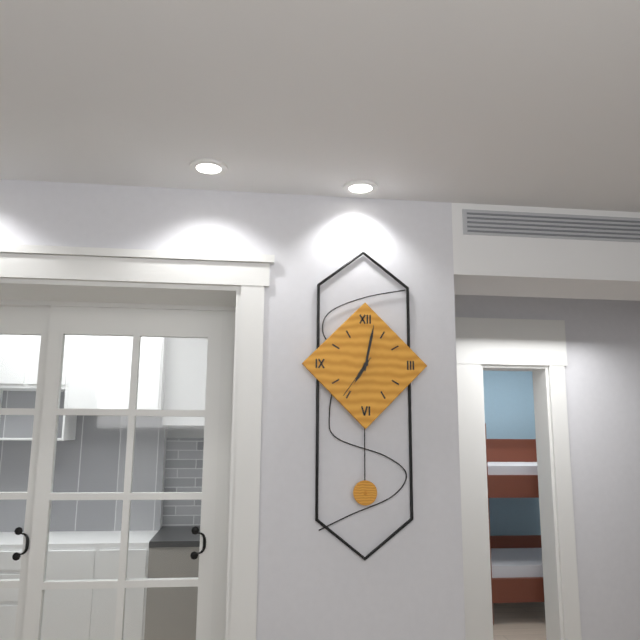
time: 7:02
